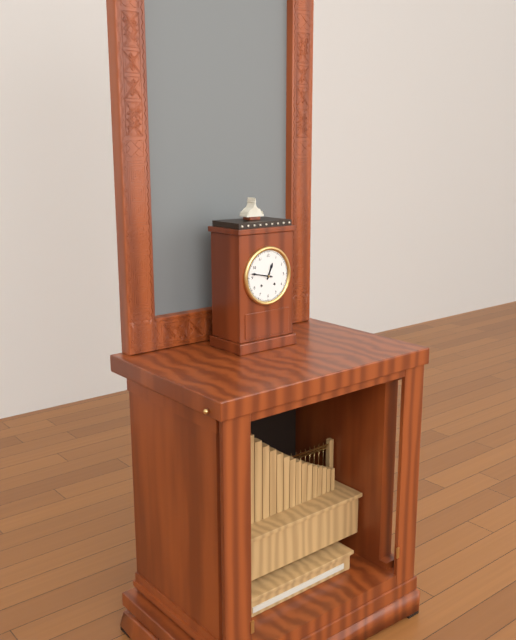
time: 12:47
